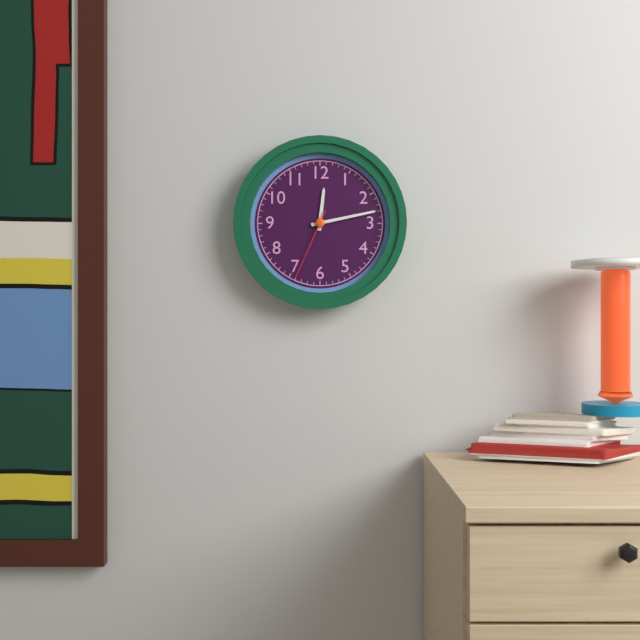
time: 12:13:34
